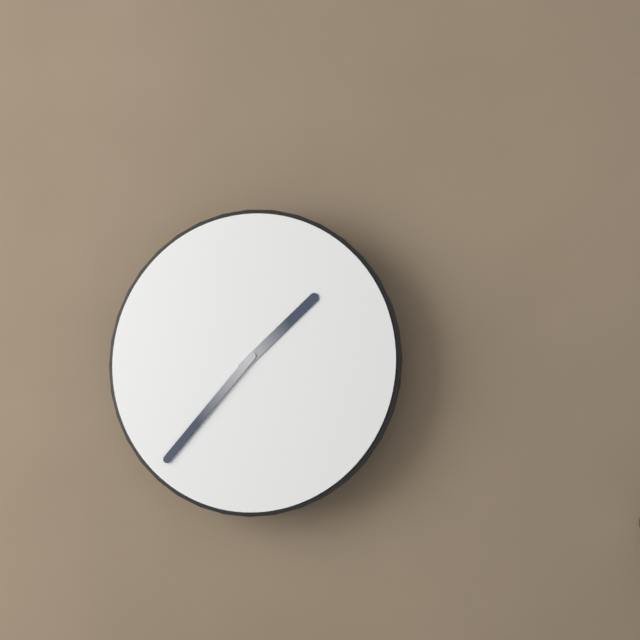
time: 1:37
